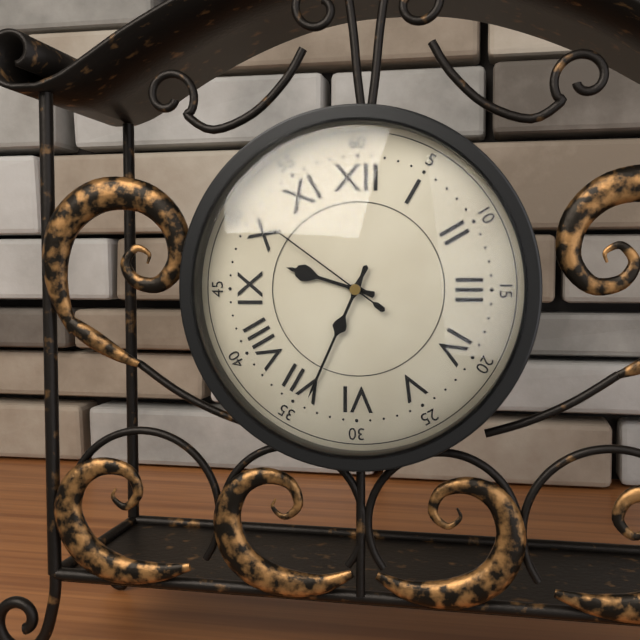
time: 9:34:51
